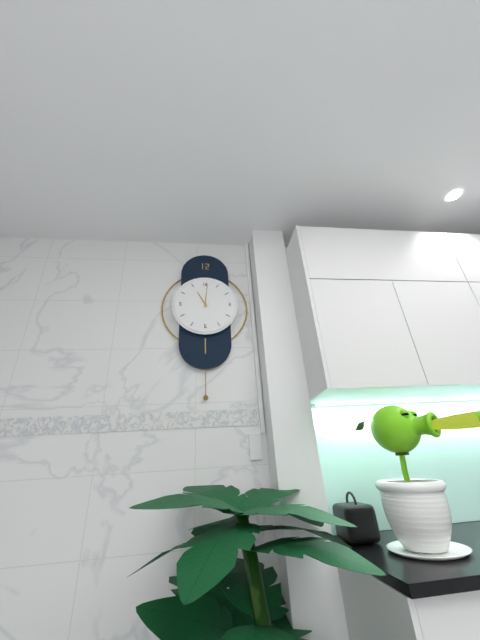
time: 11:01
